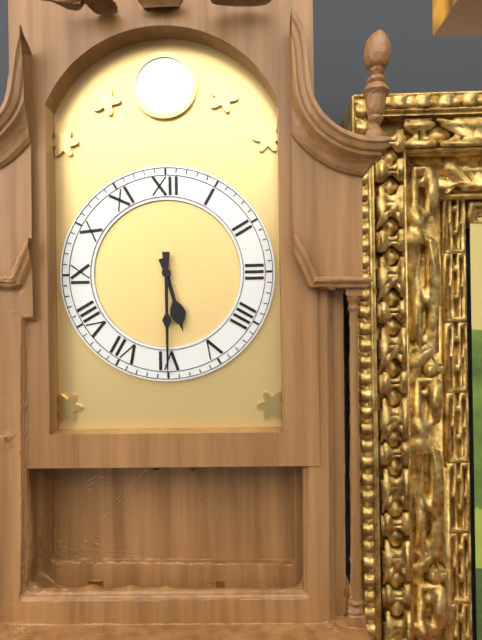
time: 5:30
